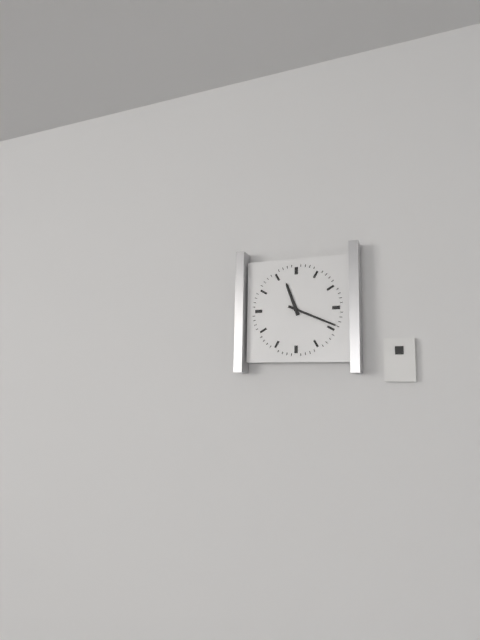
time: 11:19
